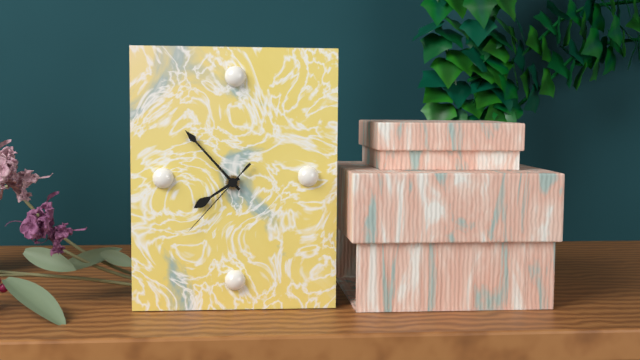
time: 7:53:37
